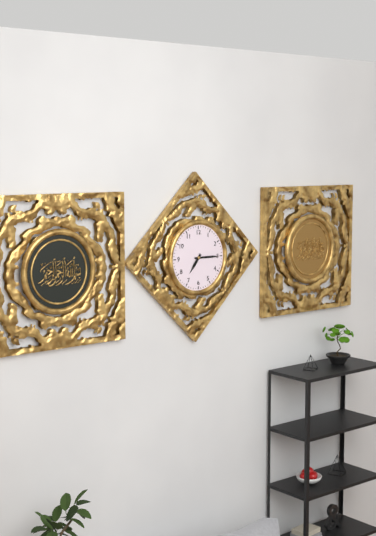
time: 7:15
